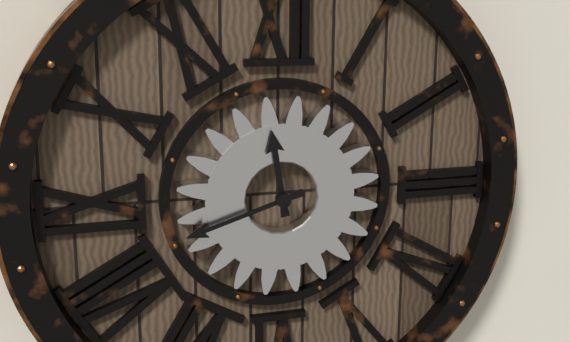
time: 11:42
